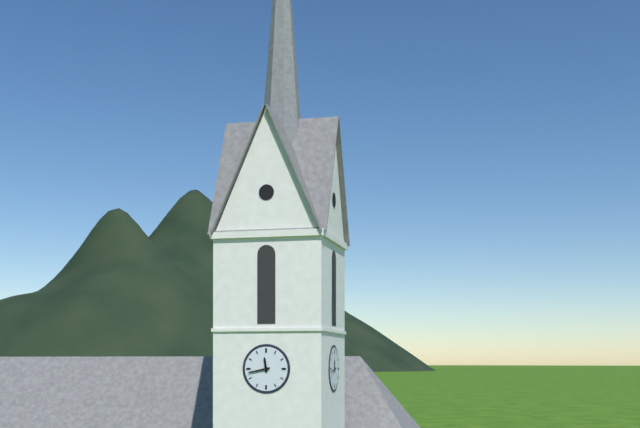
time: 11:43
